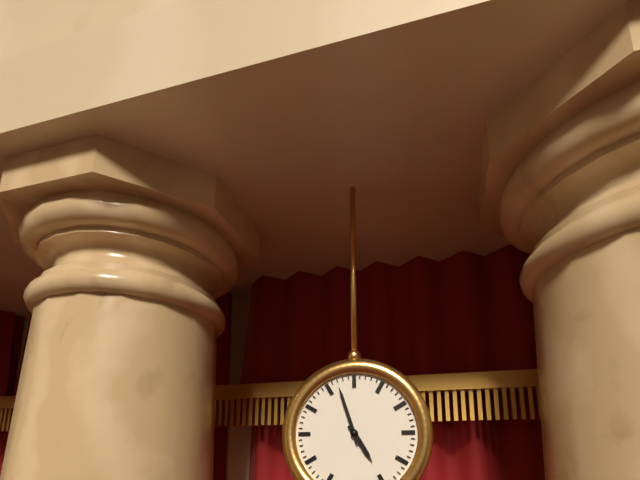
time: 4:57
